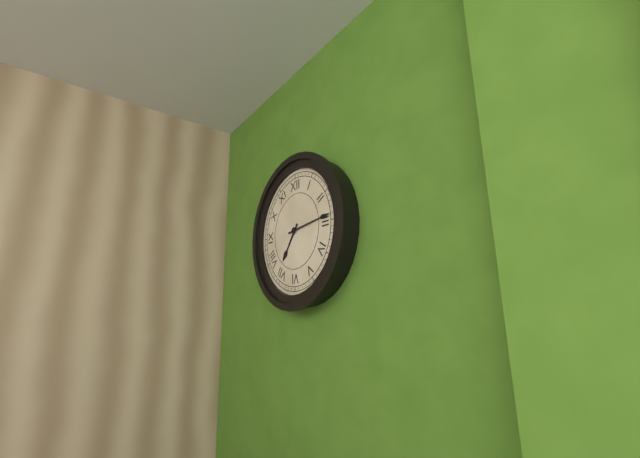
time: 7:14
